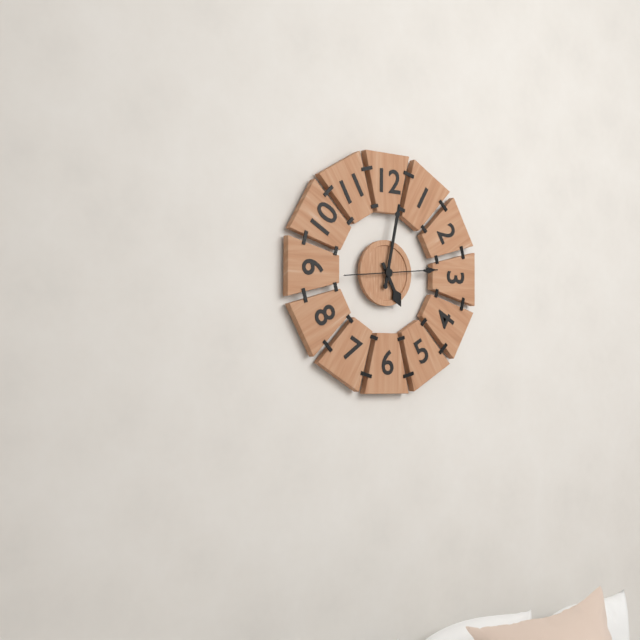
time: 5:02:14
